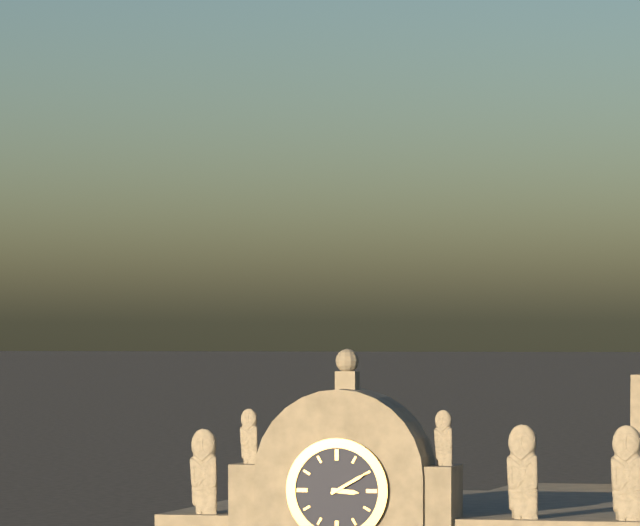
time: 3:10
